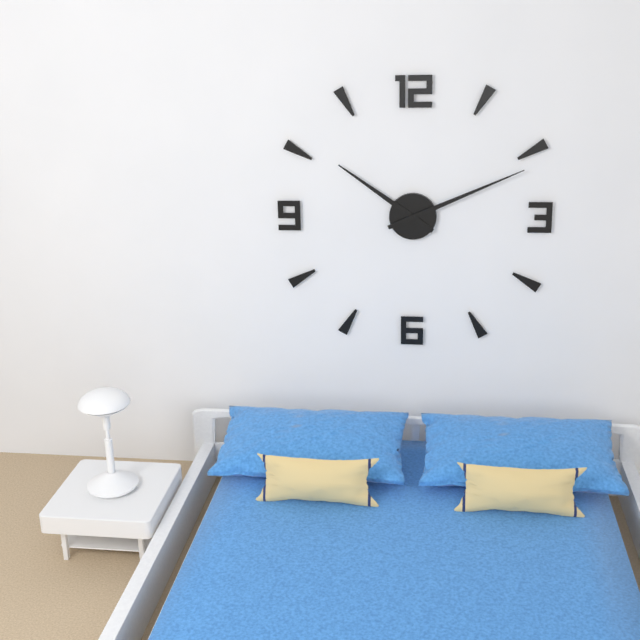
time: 10:11
